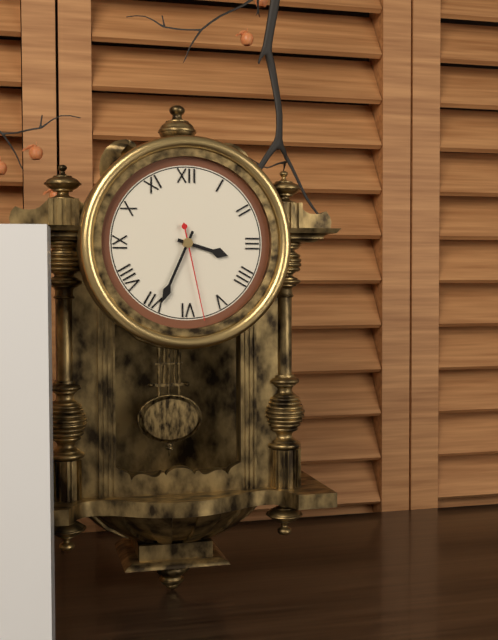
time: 3:34:28
